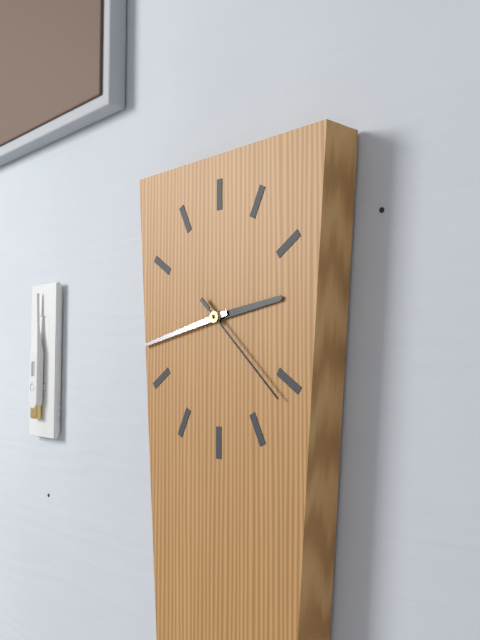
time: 2:43:22
